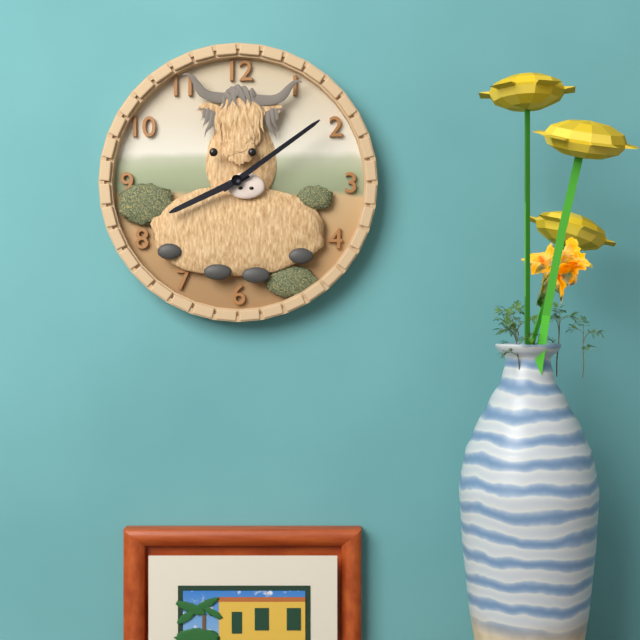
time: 8:09
